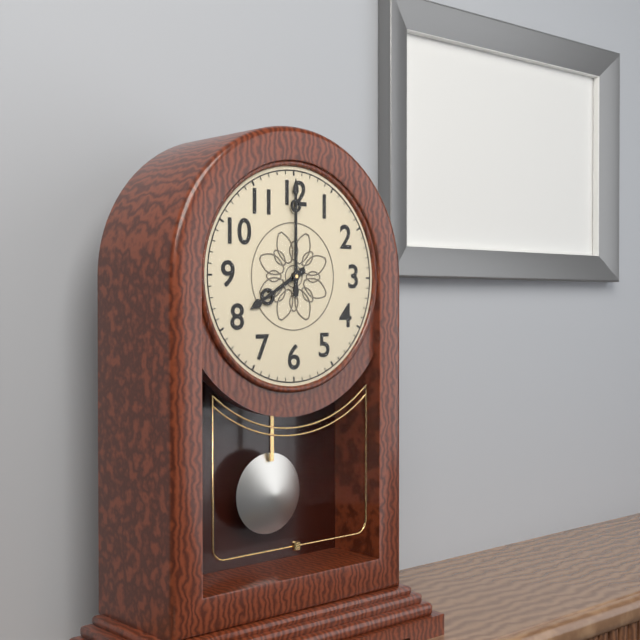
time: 8:00
